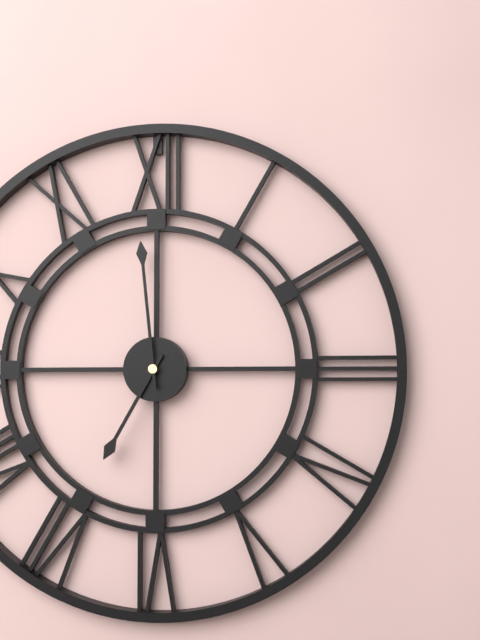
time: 6:59
